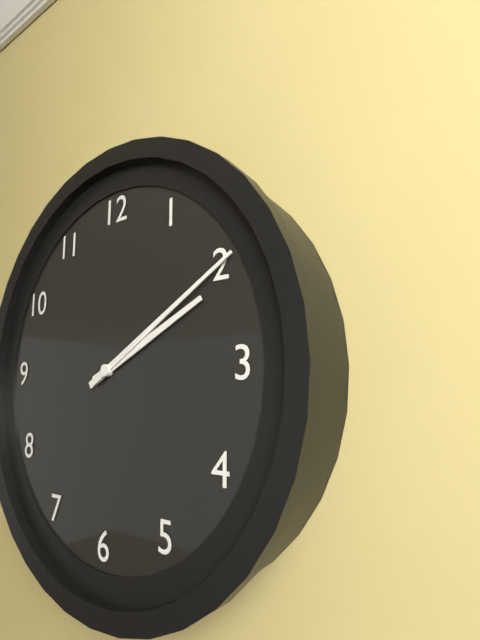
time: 2:10
